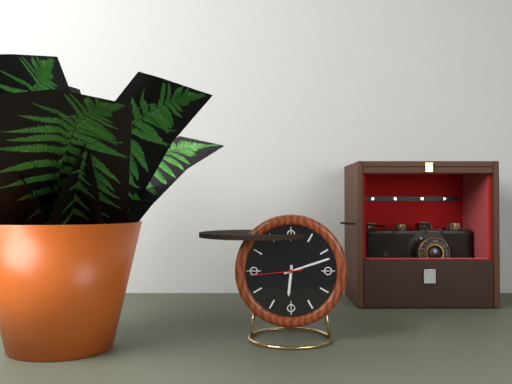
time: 6:12:44
